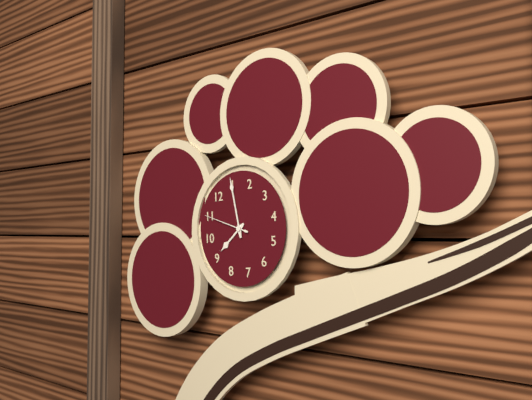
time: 9:05
